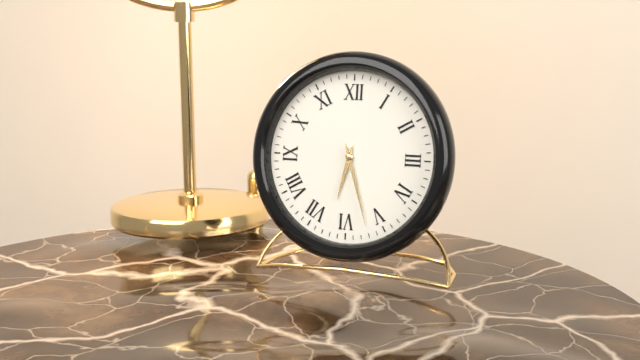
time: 6:27
